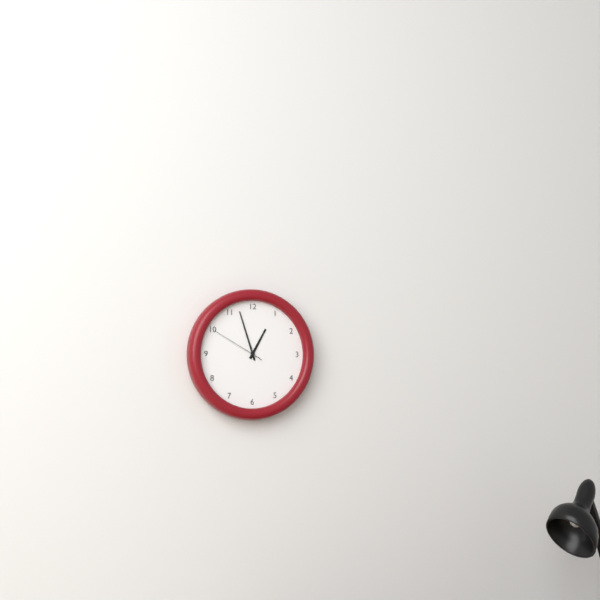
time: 12:57:50
